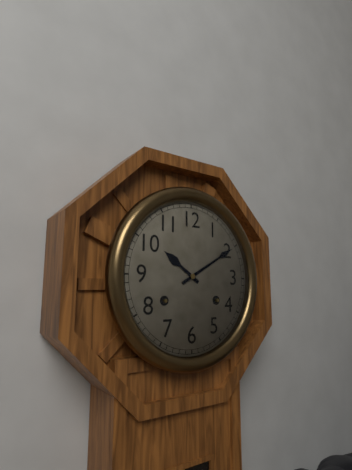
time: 10:10
